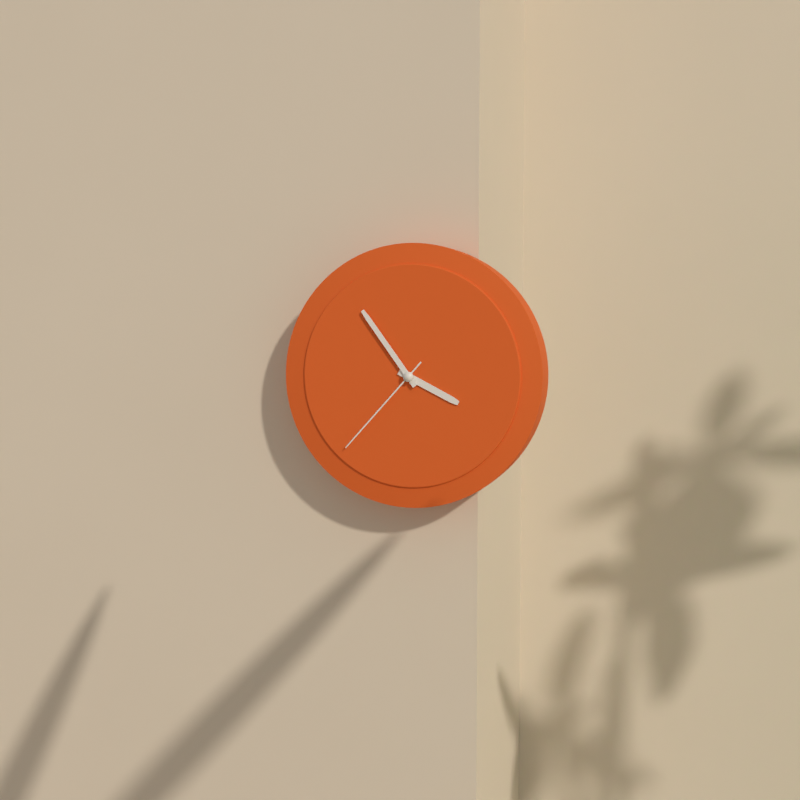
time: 3:54:37
